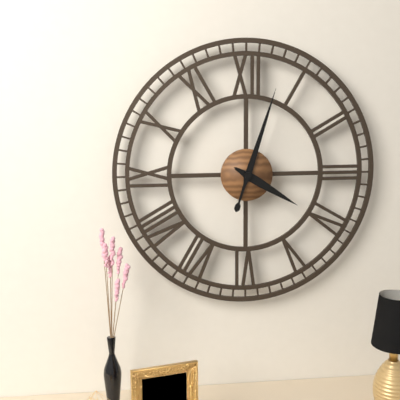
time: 4:03
